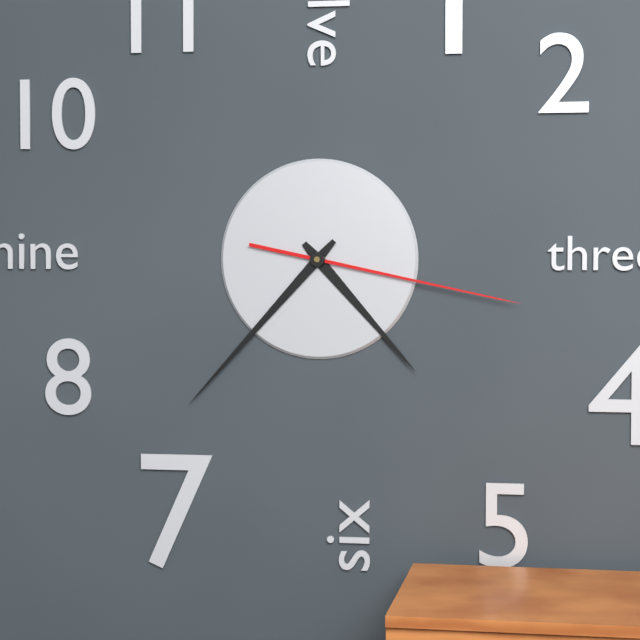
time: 4:37:17
